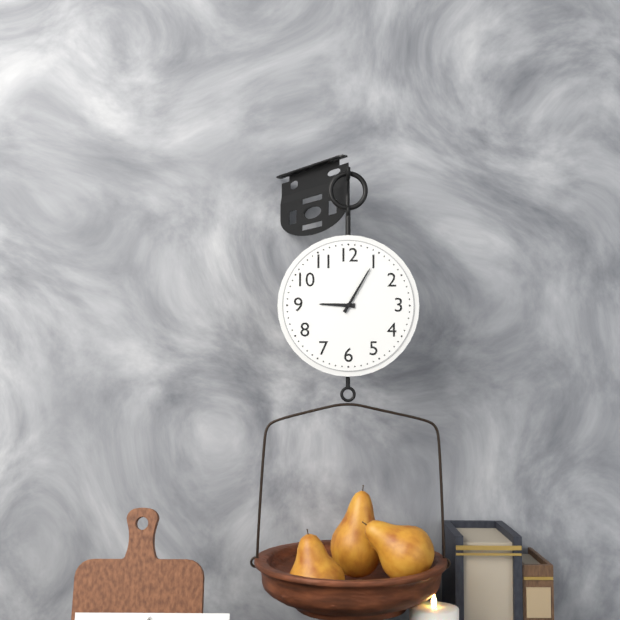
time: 9:05
